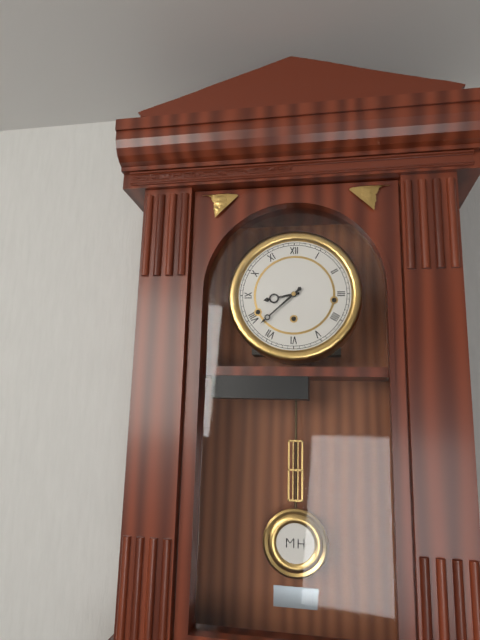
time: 8:38
